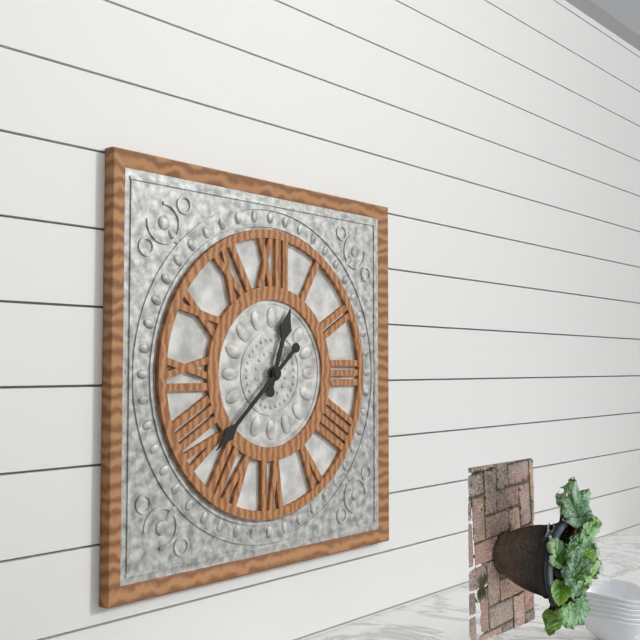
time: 12:38
